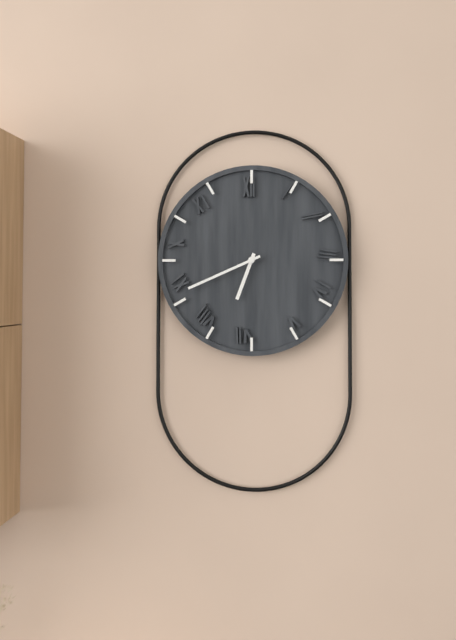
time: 6:41
